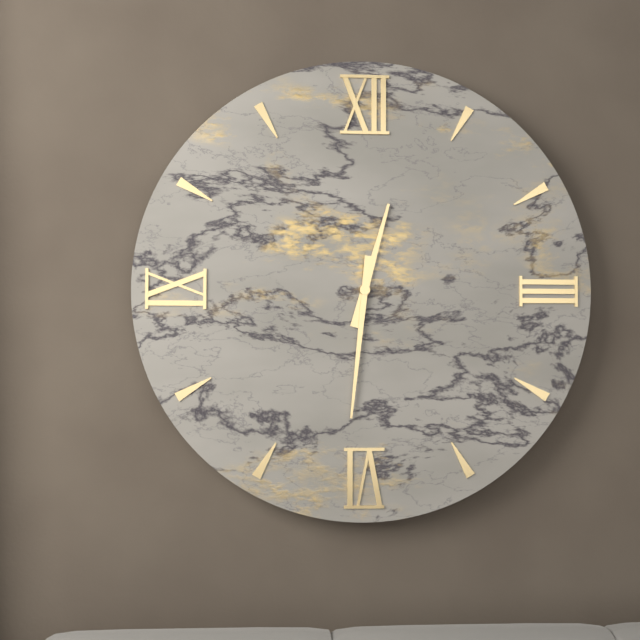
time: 12:31
